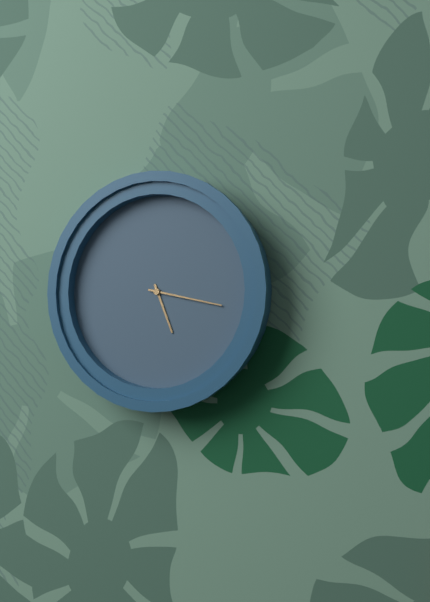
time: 5:17
